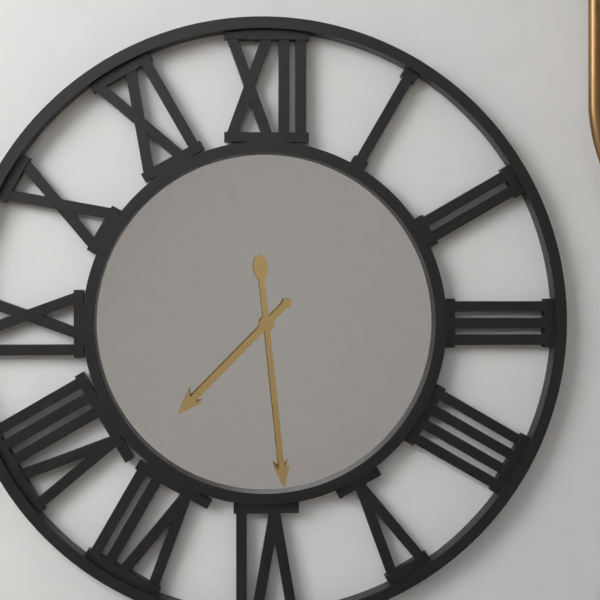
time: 7:29
